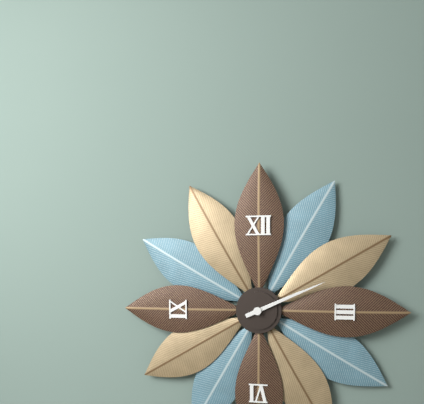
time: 2:11
